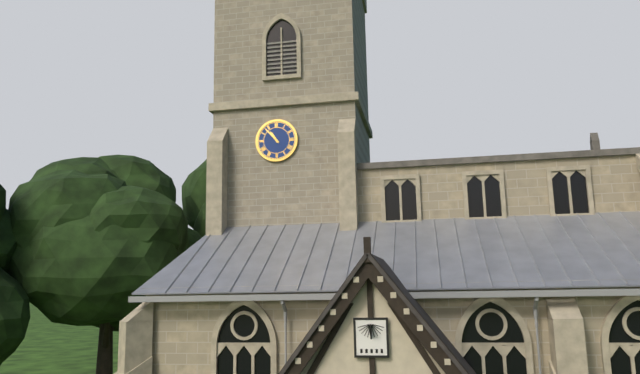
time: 10:53
